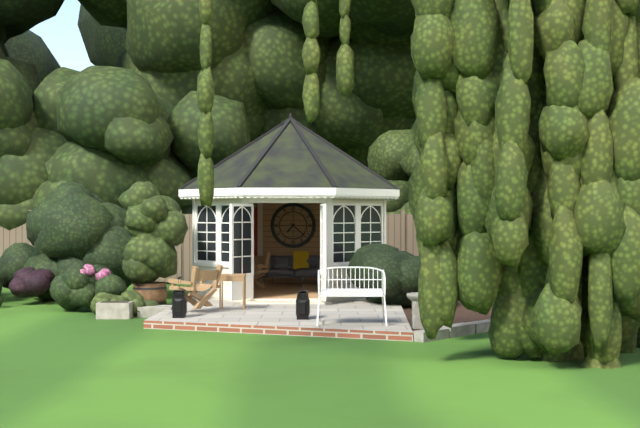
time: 7:22
